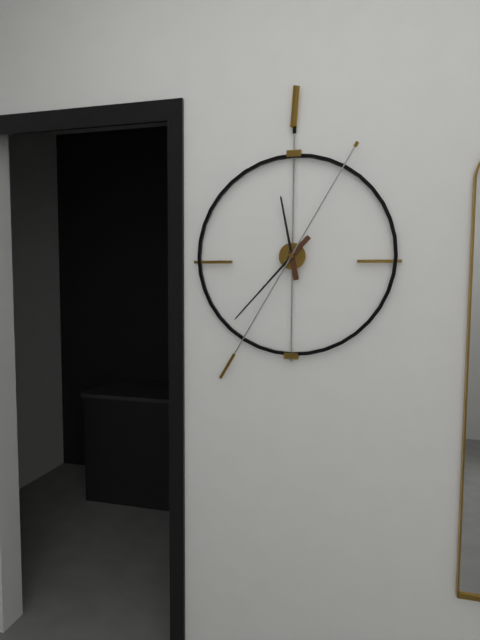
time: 11:37:35
